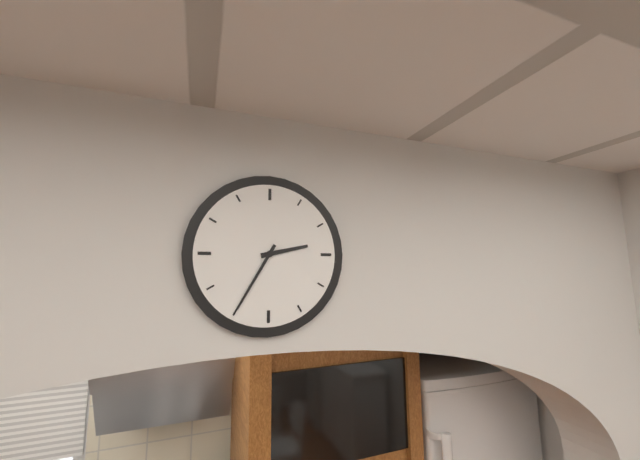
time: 2:35
